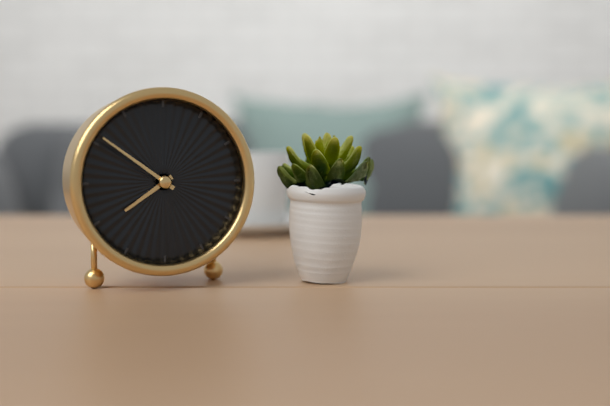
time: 7:51
